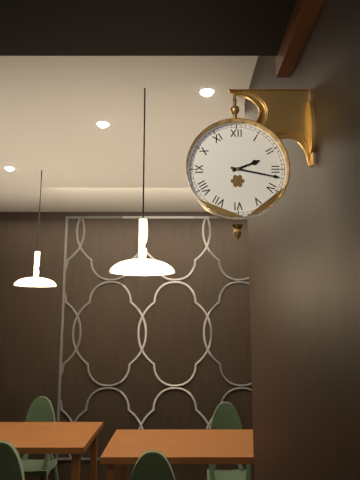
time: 2:17
